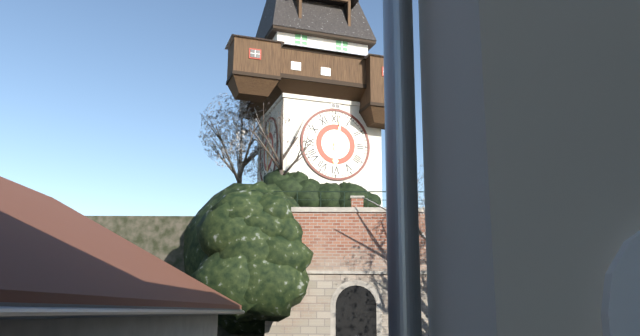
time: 6:02
